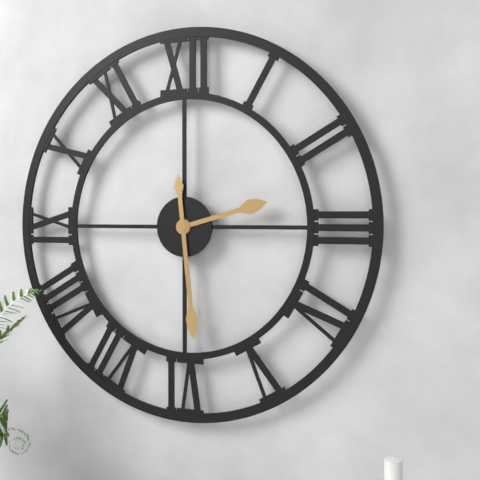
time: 2:29
